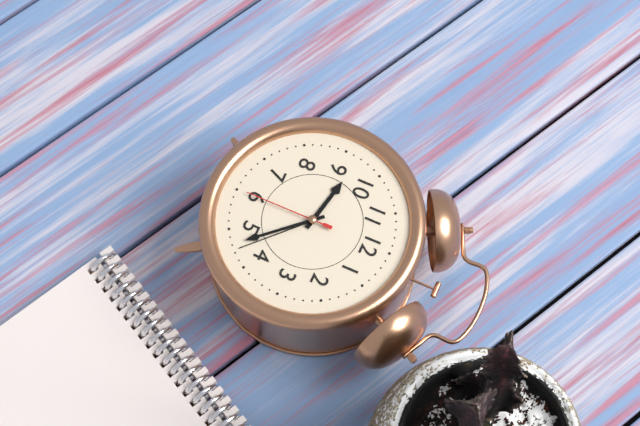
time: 9:23:30
